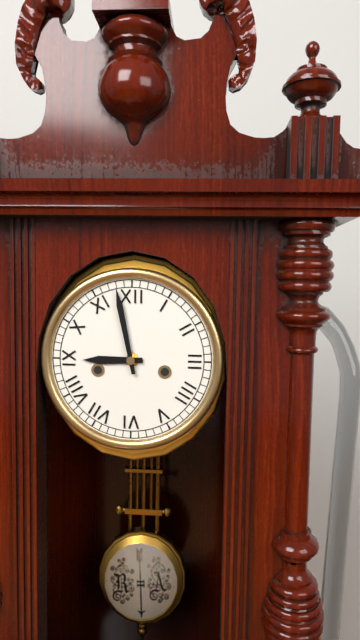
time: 8:58
